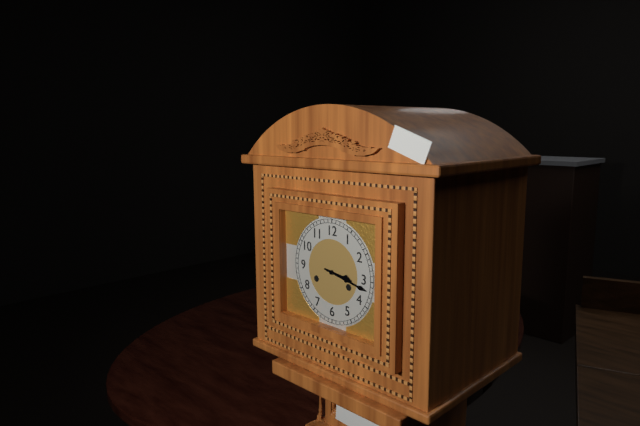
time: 3:17
